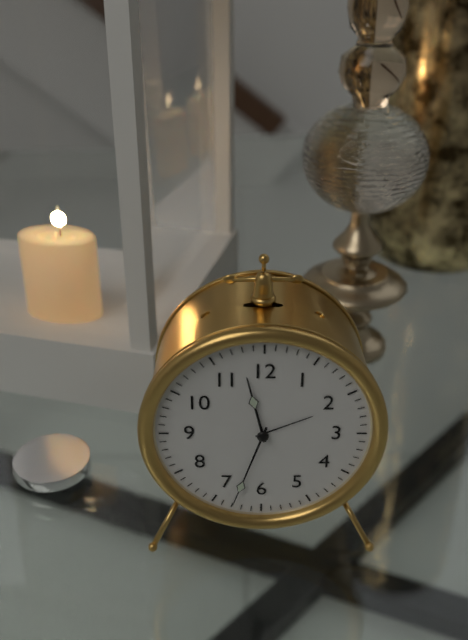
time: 11:33
